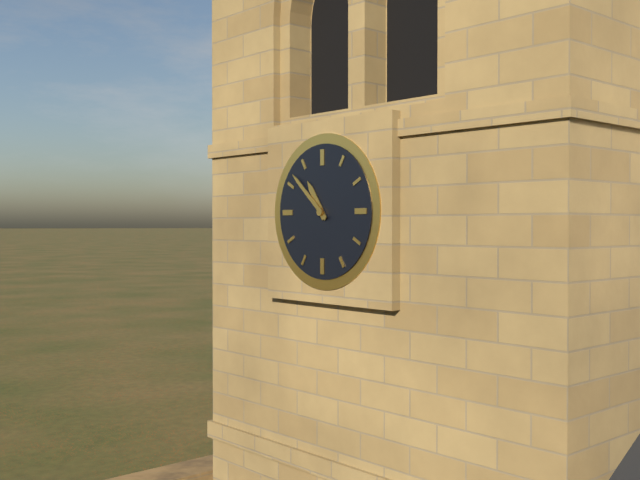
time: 10:52
